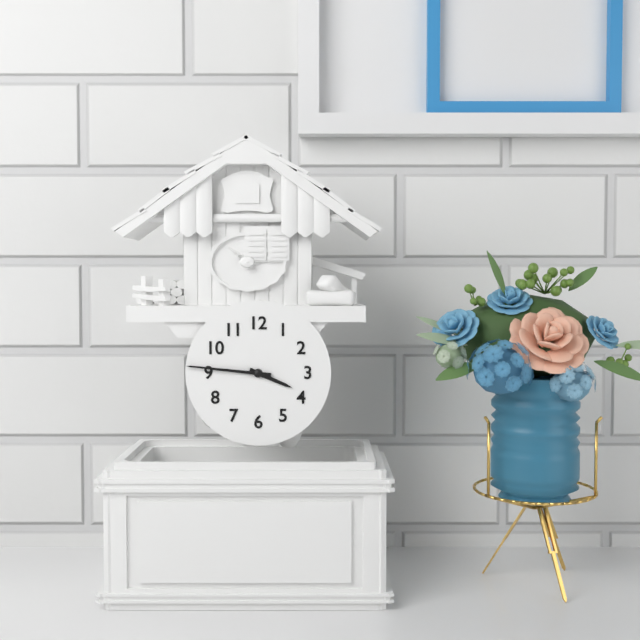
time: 3:46
